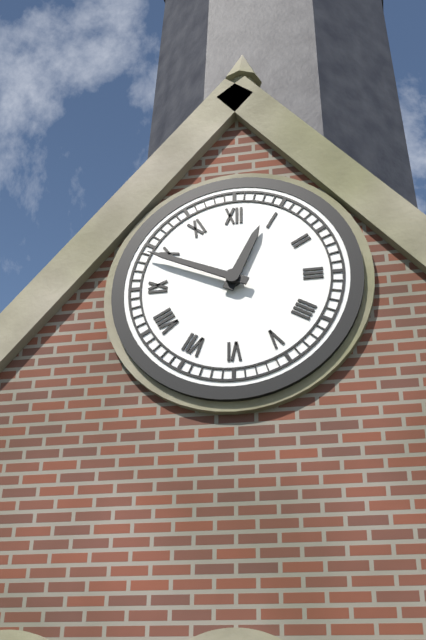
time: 12:49
